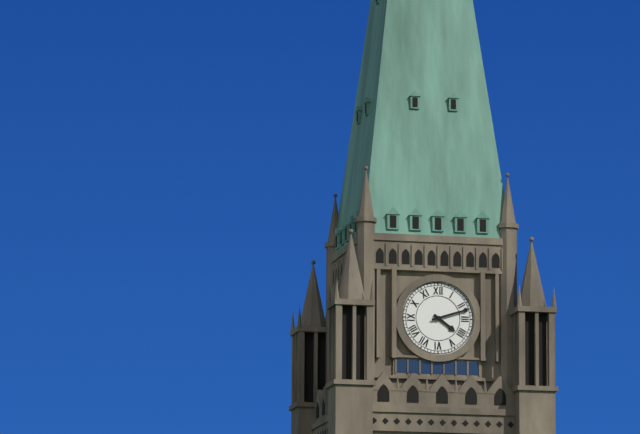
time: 4:12
